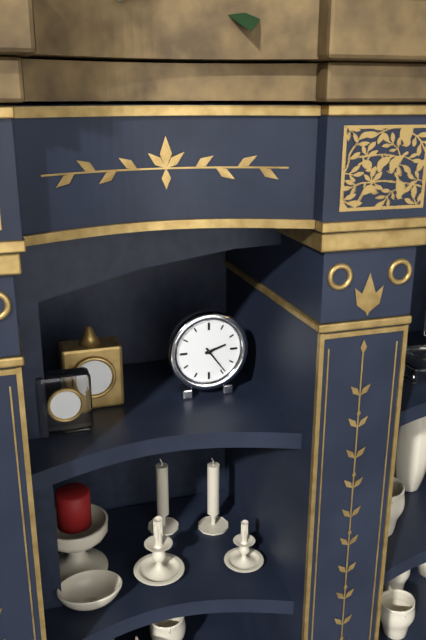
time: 2:24
